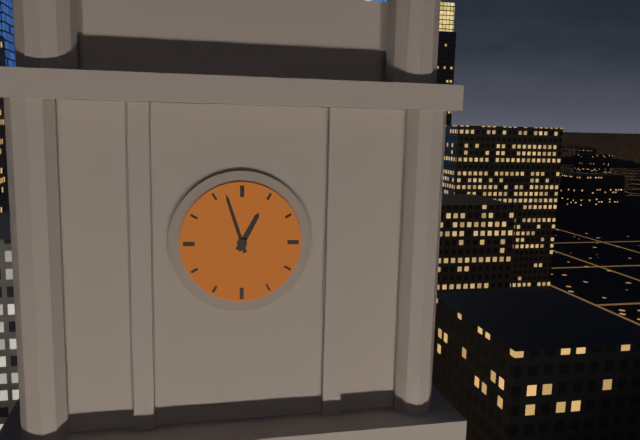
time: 12:57
